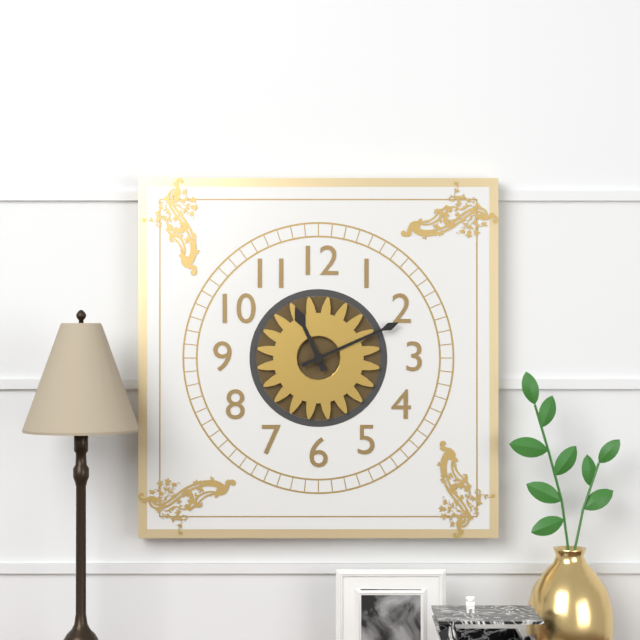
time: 11:11
